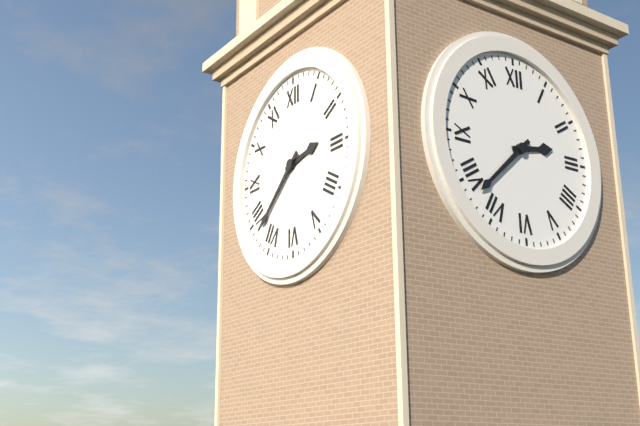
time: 2:38
